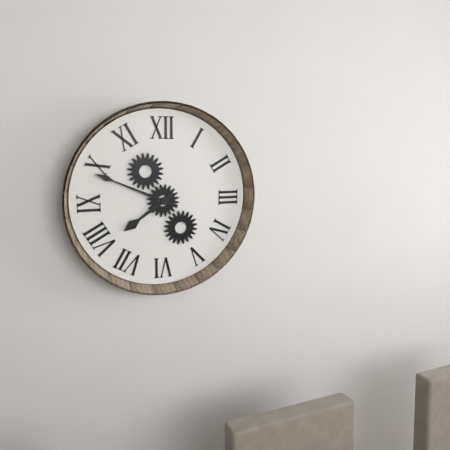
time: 7:49
